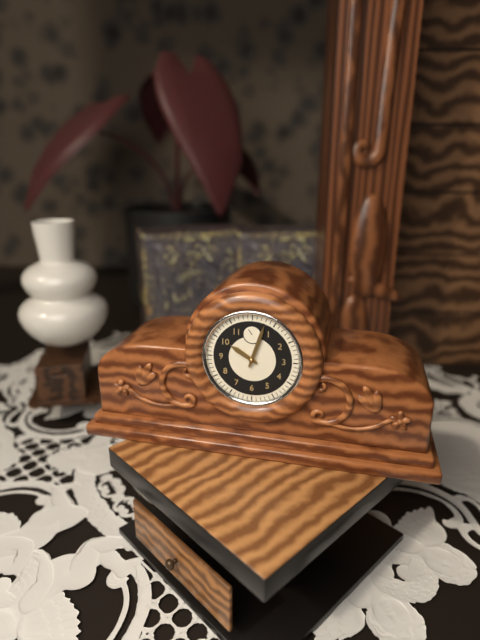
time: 10:03
